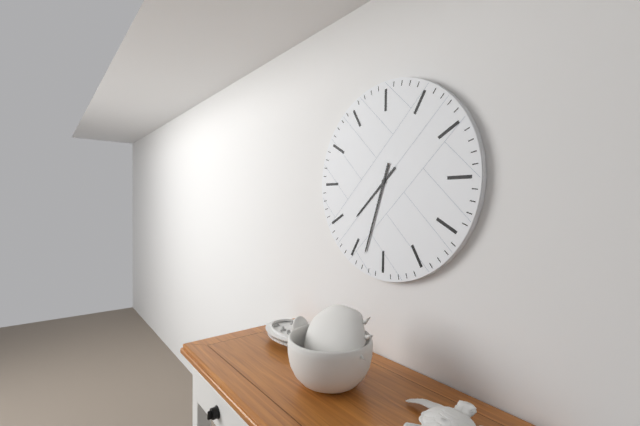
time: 7:33
